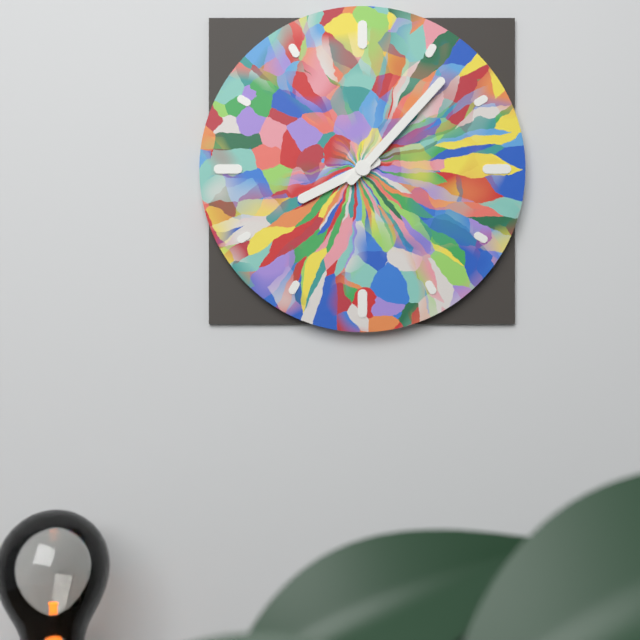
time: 8:07
